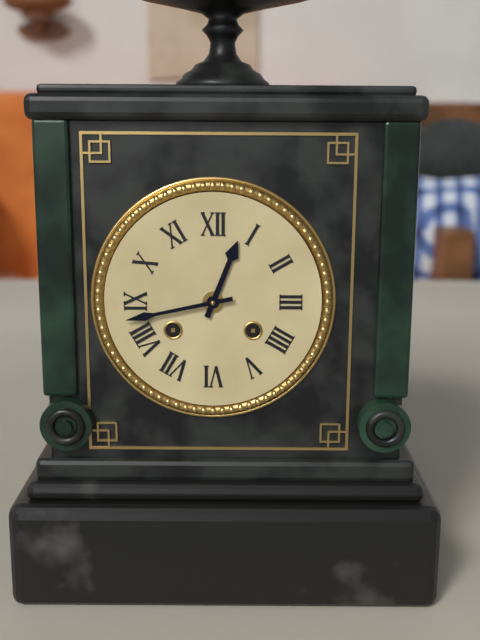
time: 12:43
